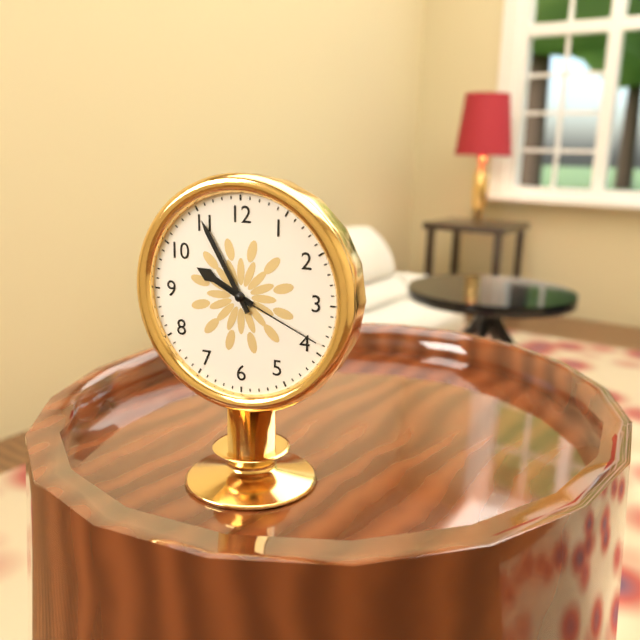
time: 9:55:19
